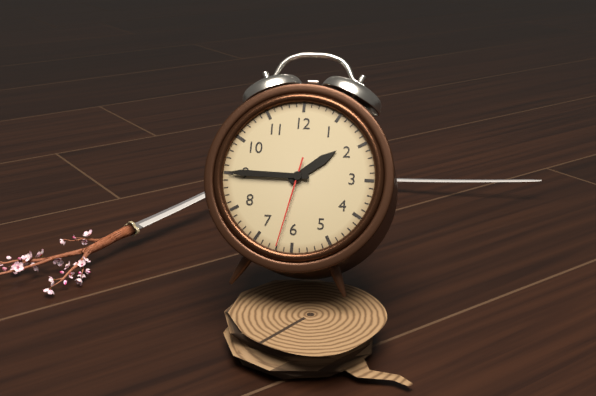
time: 1:45:32
